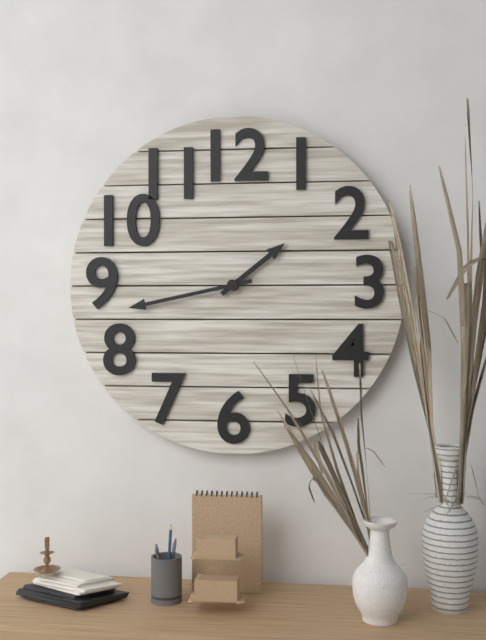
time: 1:43
